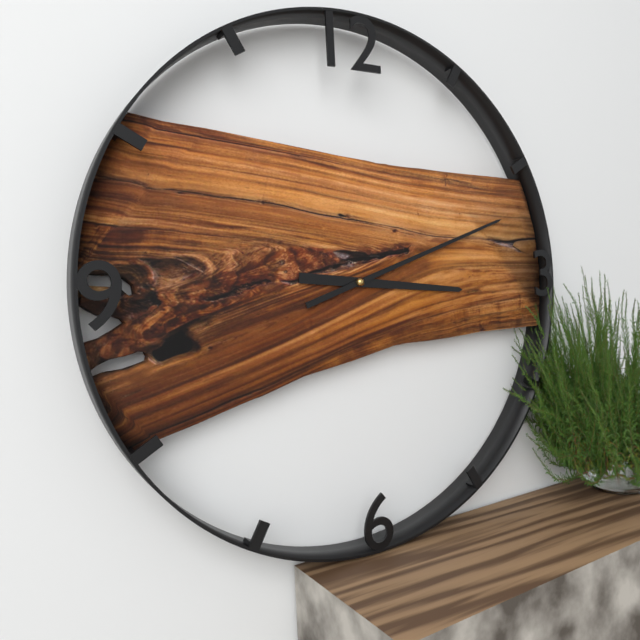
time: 3:12
